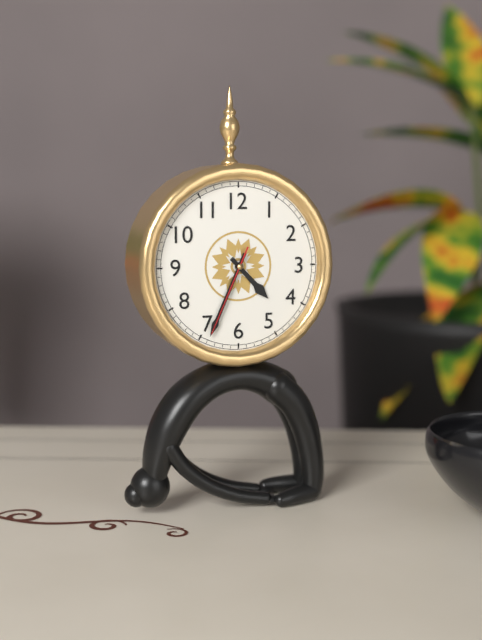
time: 4:34:34
